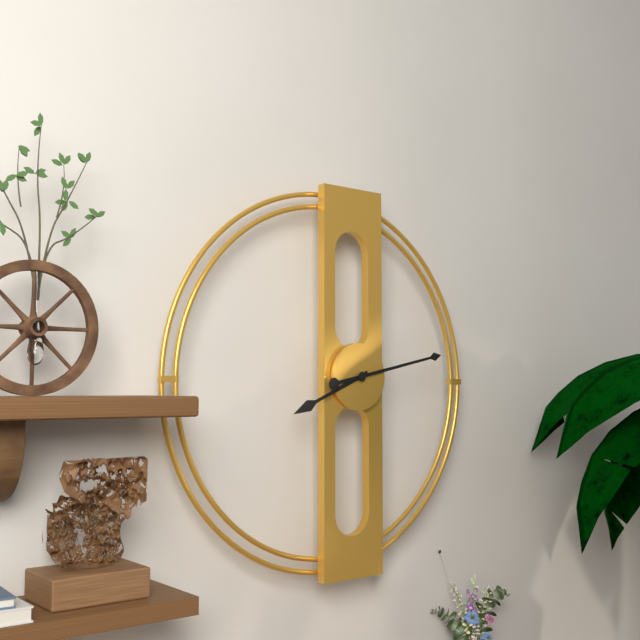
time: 8:13
